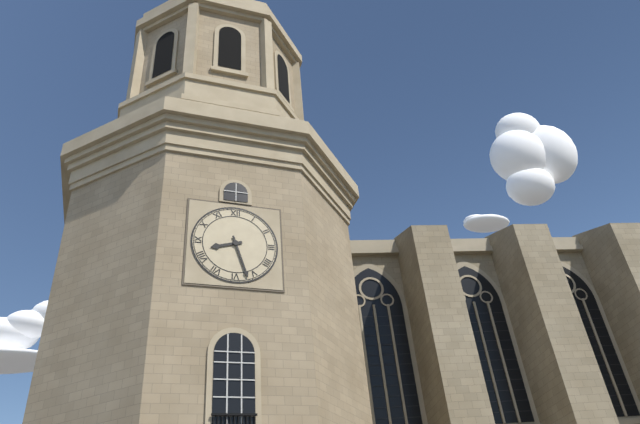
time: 8:27
